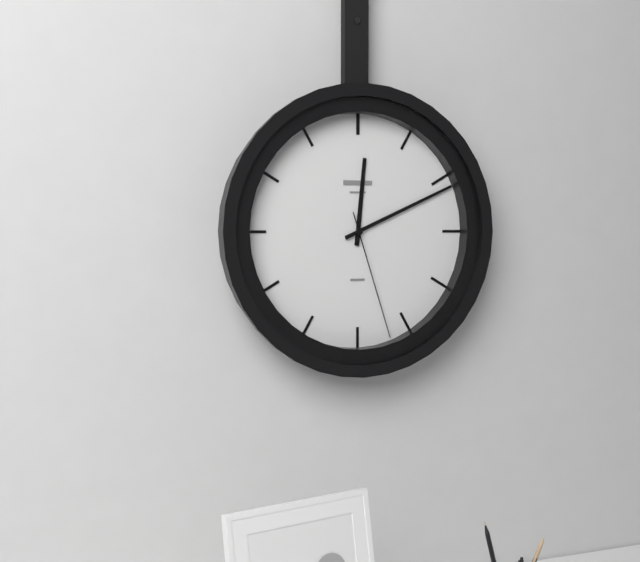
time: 12:11:27
